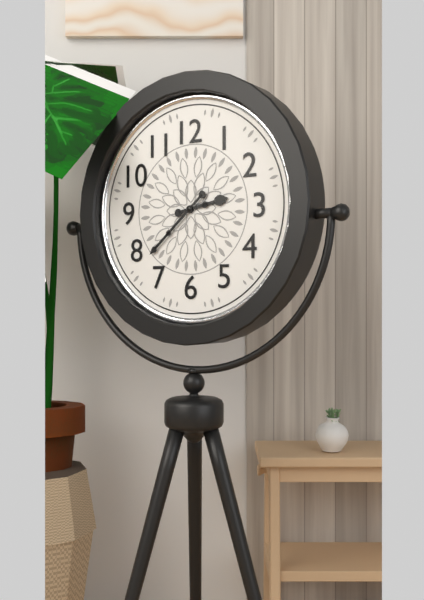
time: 2:38
